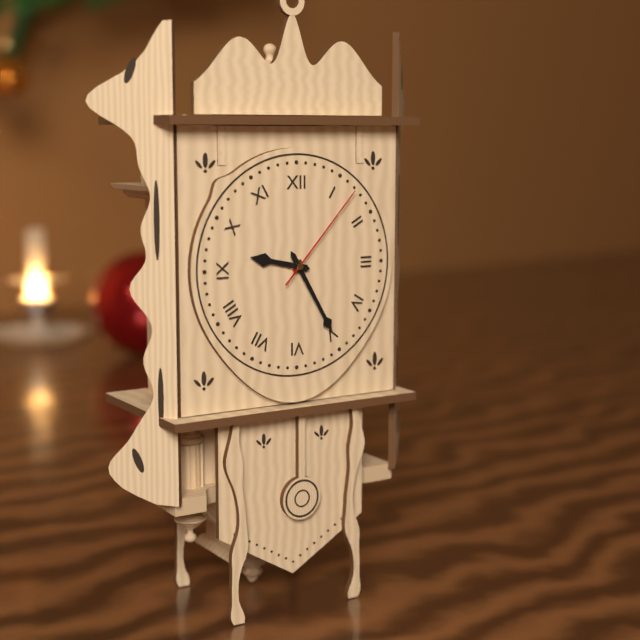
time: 9:25:07
